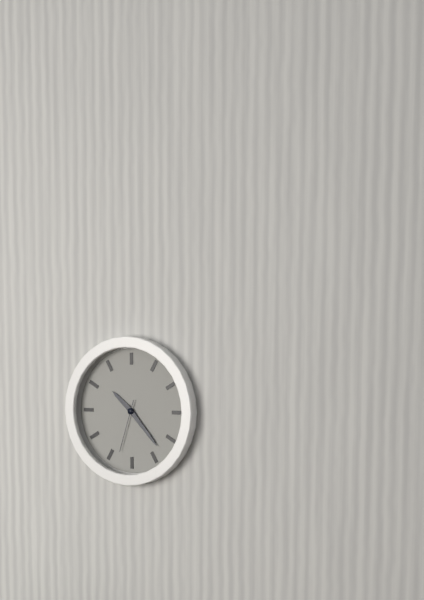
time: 10:23:33
